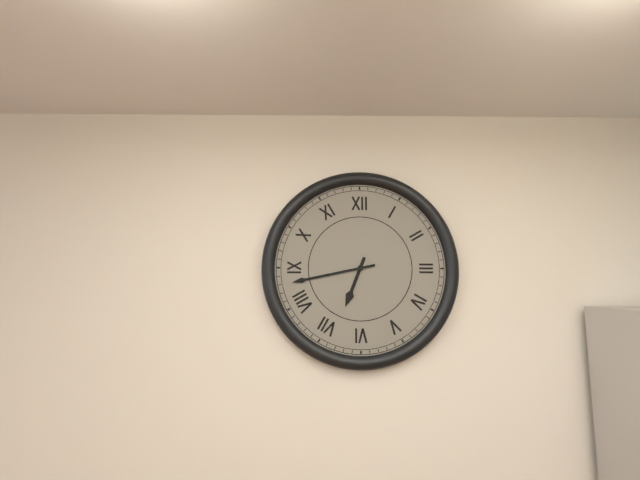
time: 6:43
